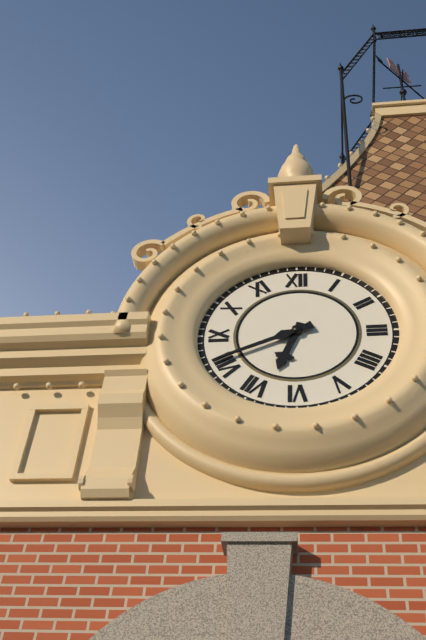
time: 6:41
